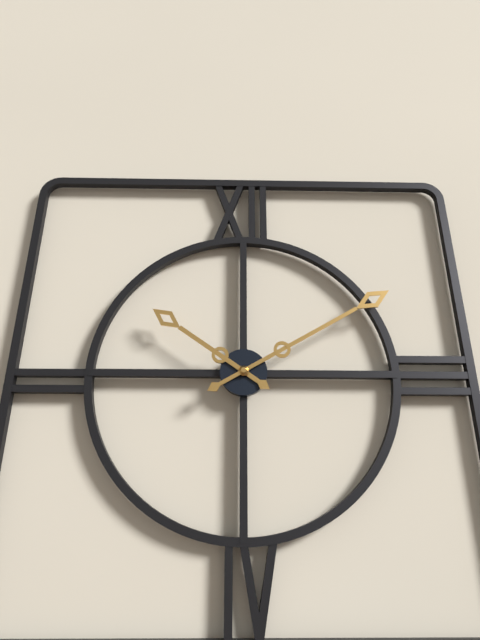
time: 10:10
